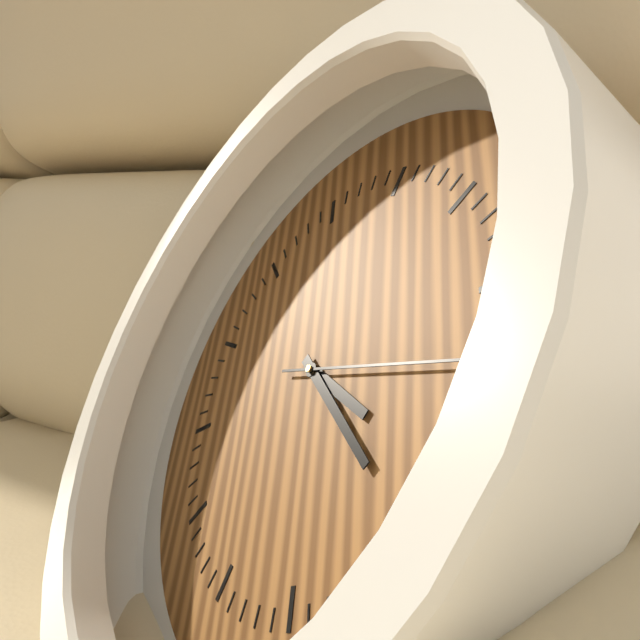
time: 4:24:18
